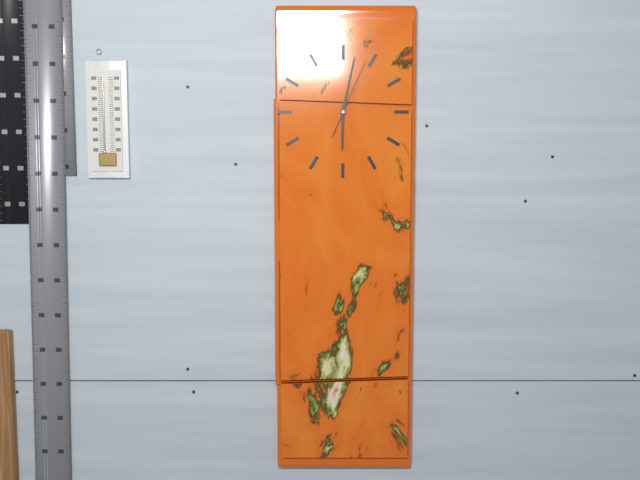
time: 6:02:04
